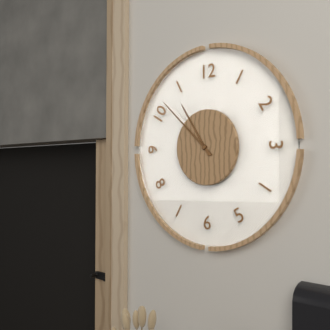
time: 10:52
